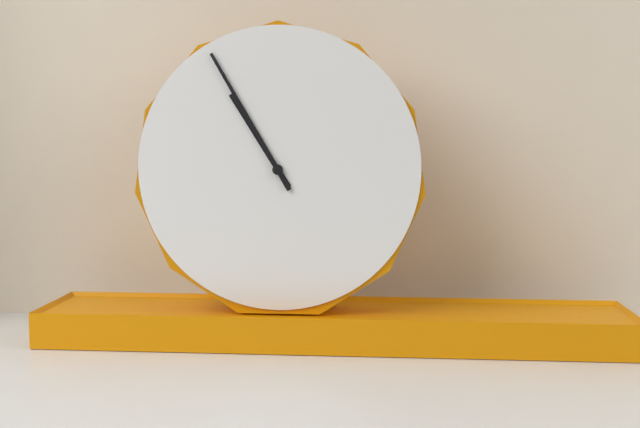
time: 10:55
